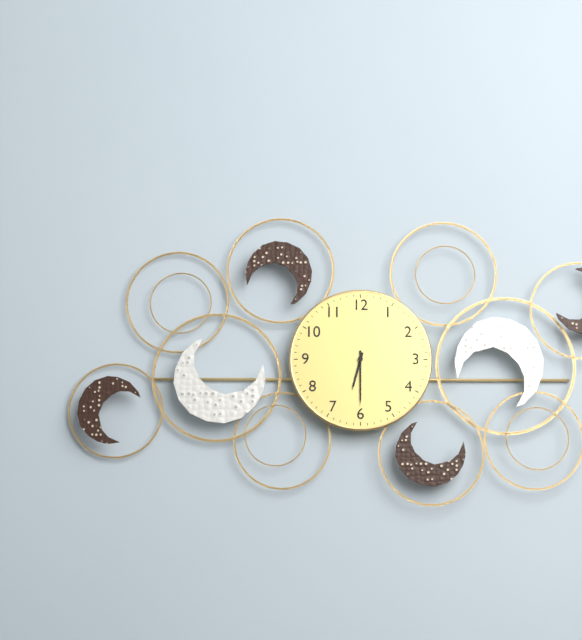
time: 6:30
